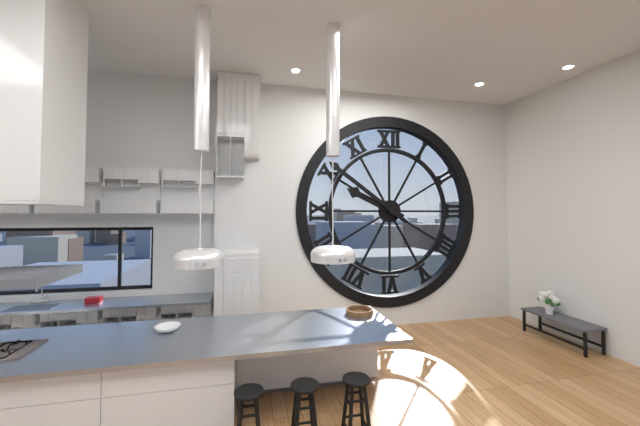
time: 9:51
